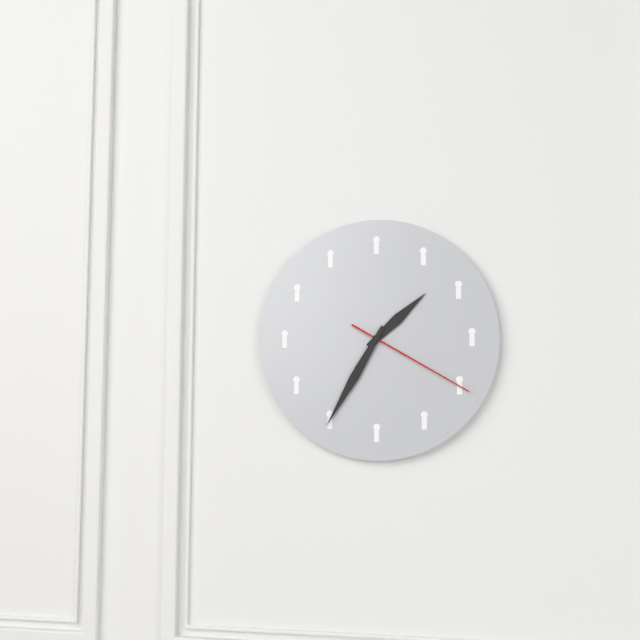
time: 1:35:20
